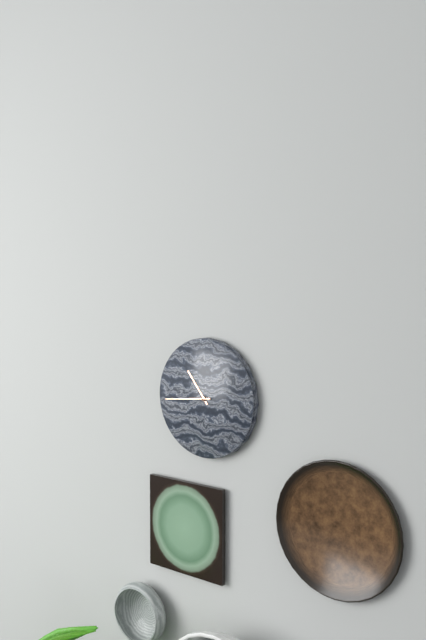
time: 10:44
